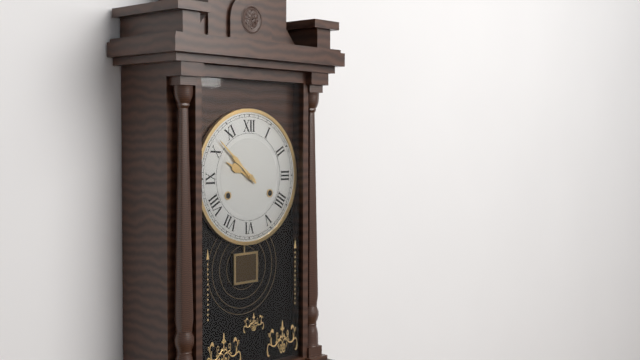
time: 9:52
